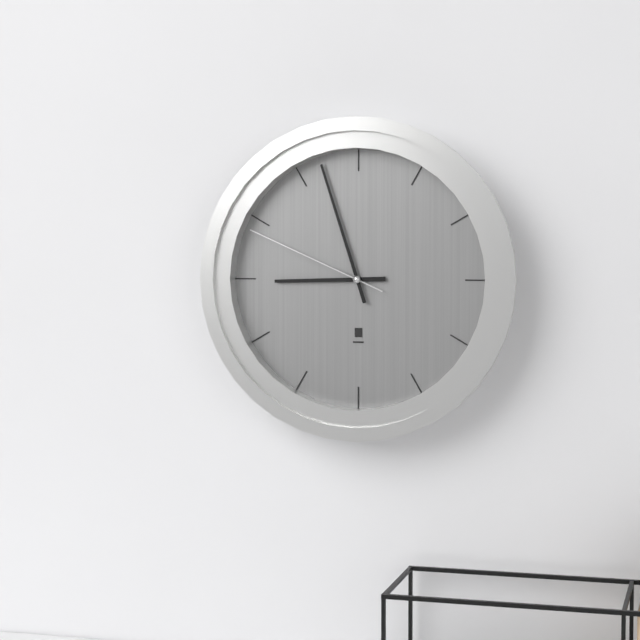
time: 8:57:49
